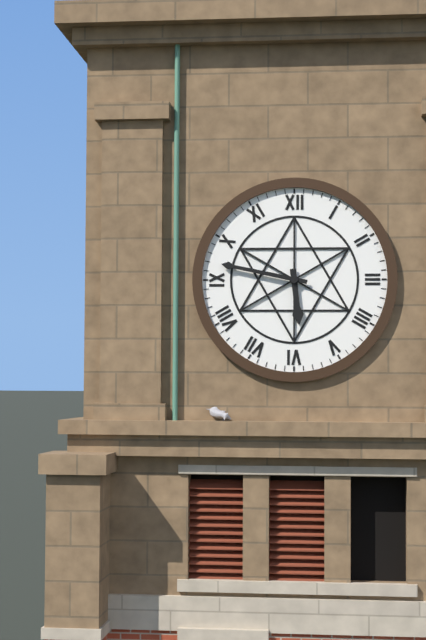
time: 5:47
